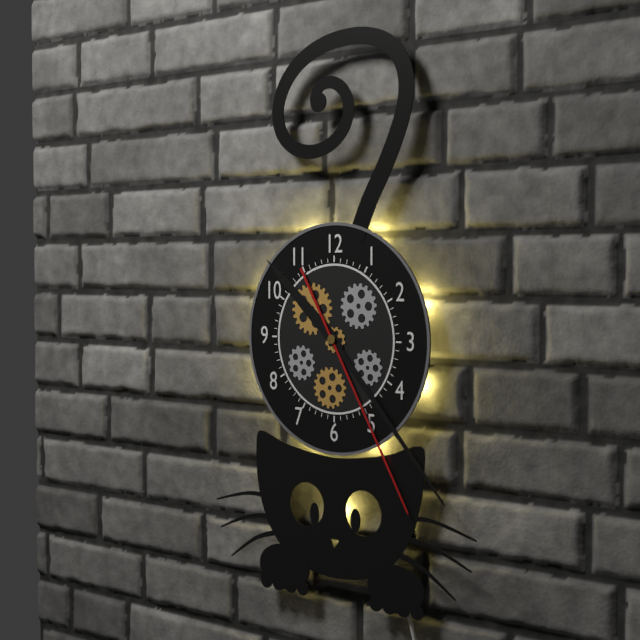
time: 10:23:25
